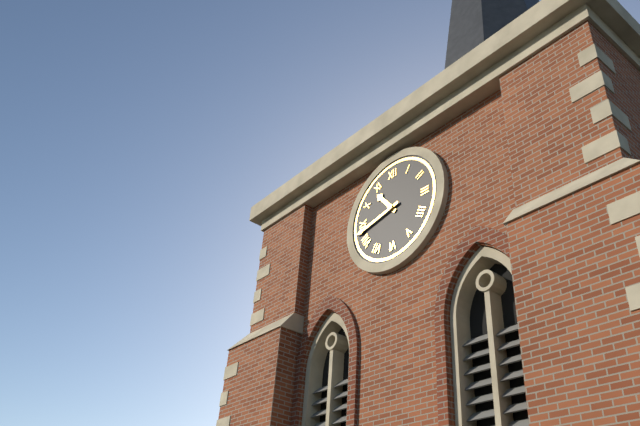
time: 10:43
